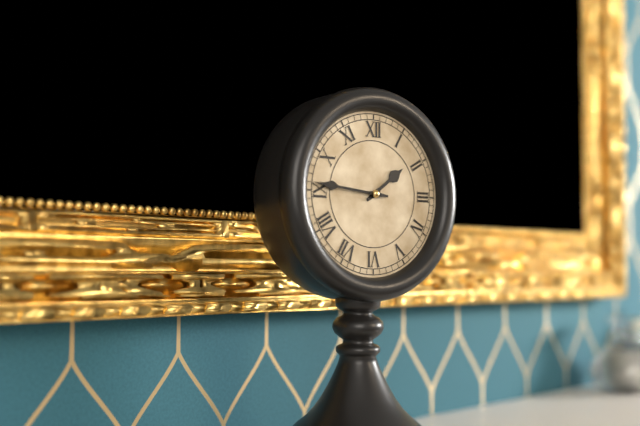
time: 1:46
